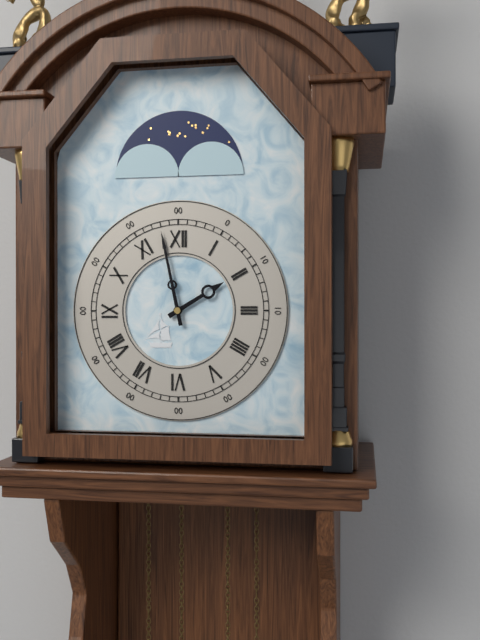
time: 1:58
